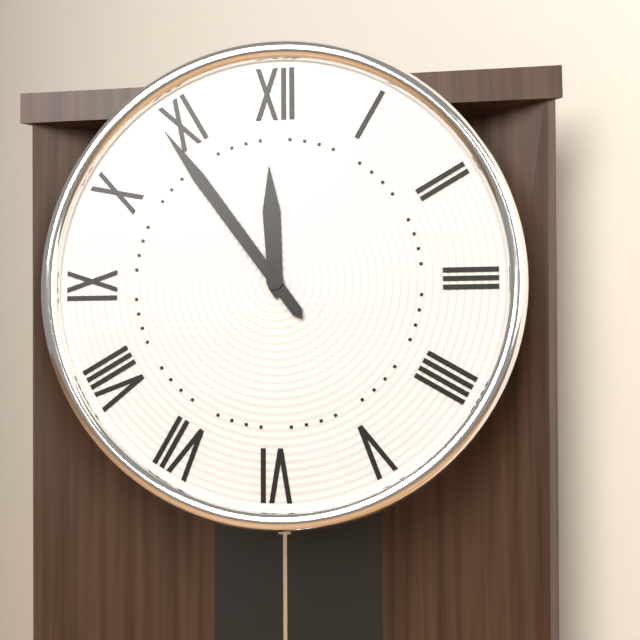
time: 11:54
